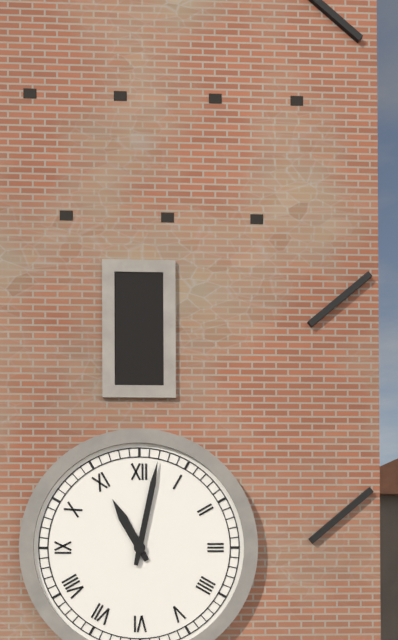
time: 11:02
